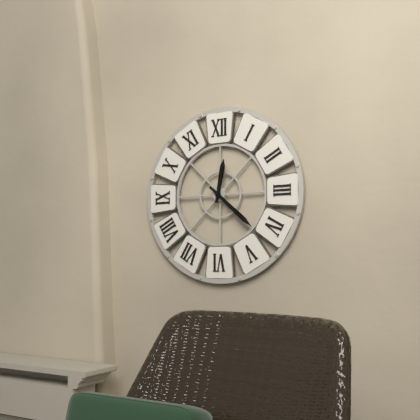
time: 12:22
